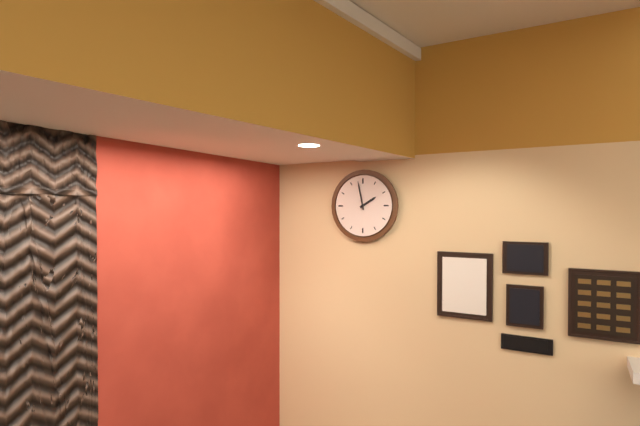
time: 1:58
